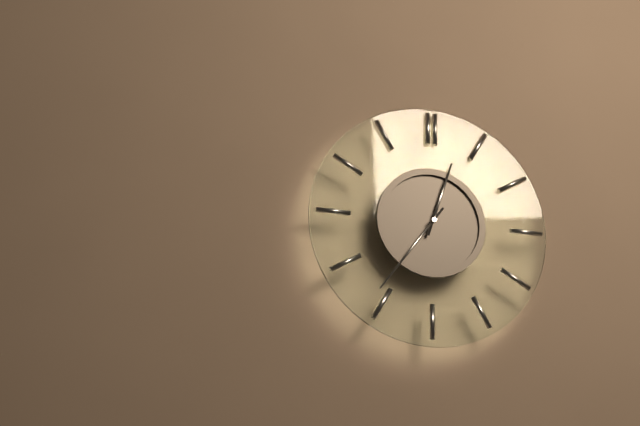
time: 12:36
